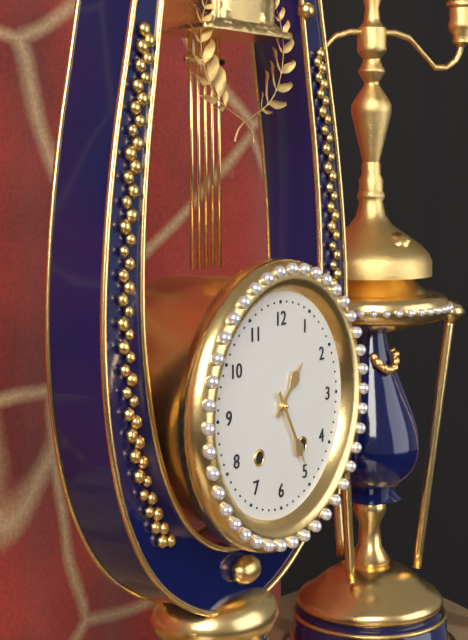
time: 1:25
